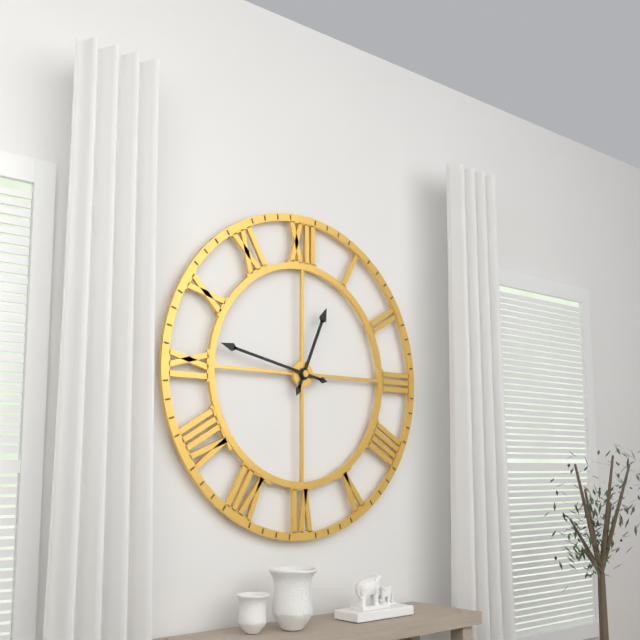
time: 12:47
